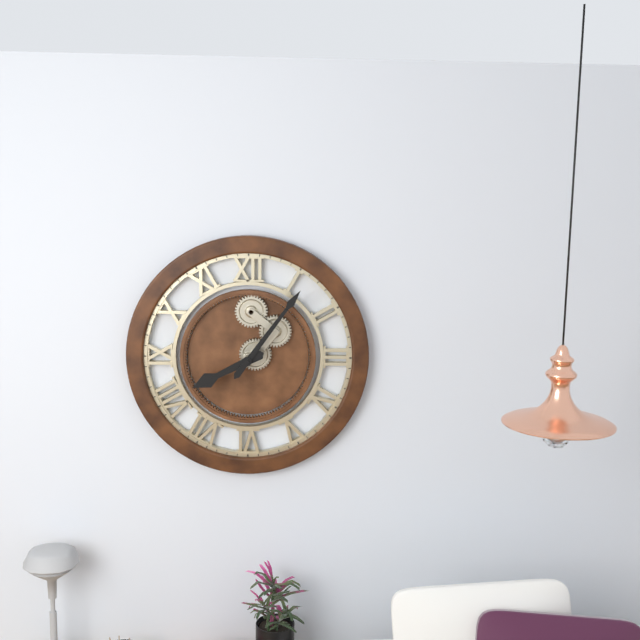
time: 8:06
